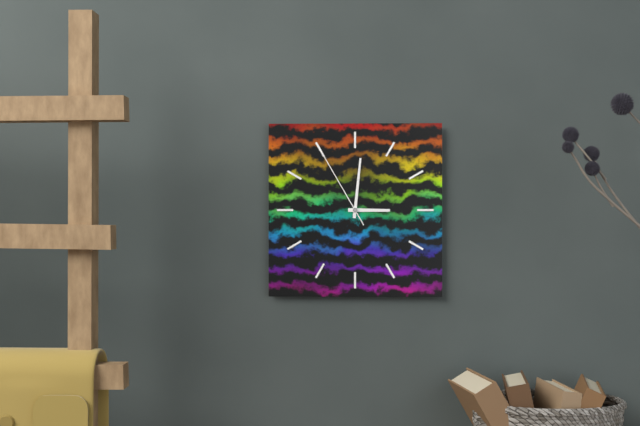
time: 3:01:55
